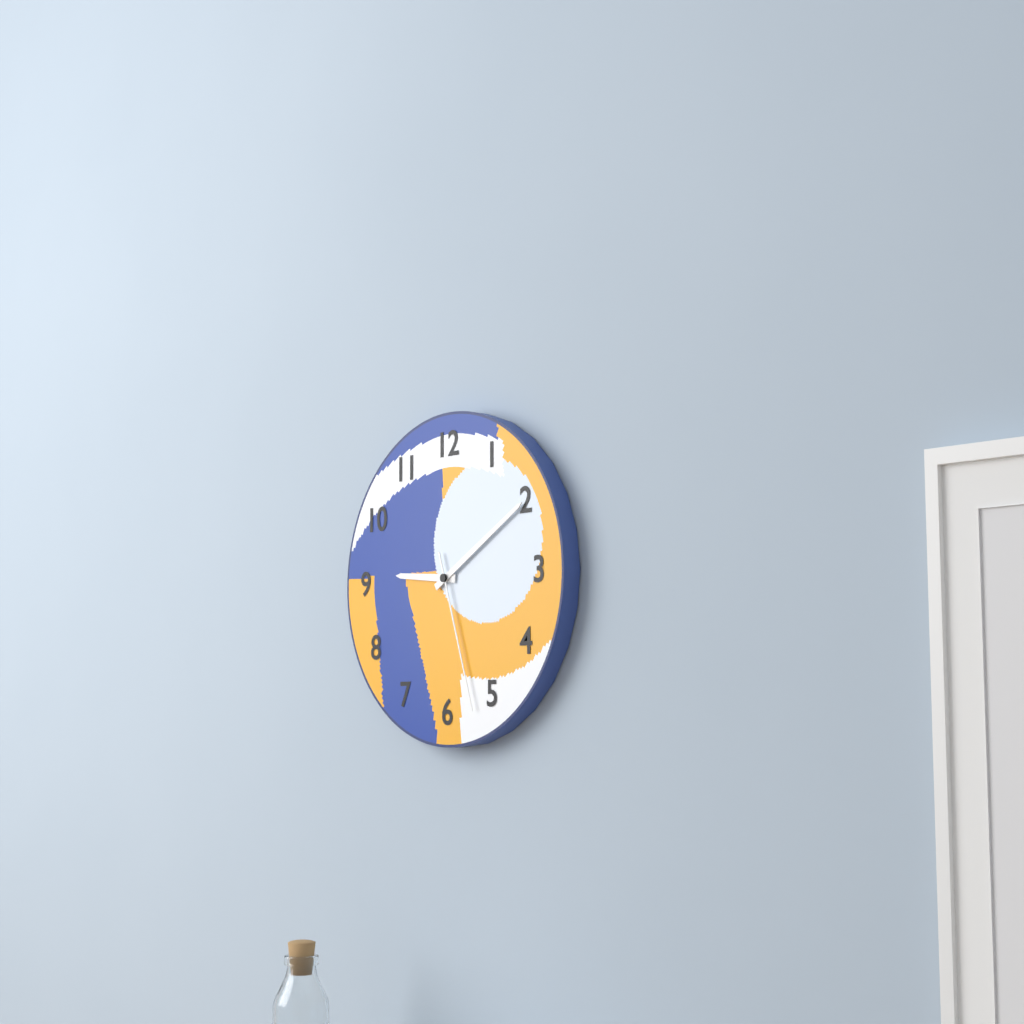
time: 9:10:27
